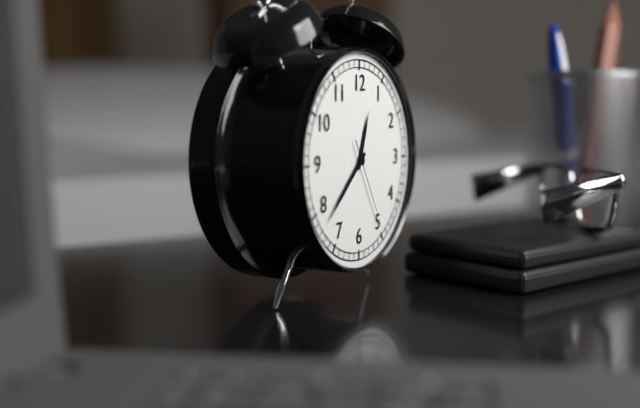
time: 12:38:25
